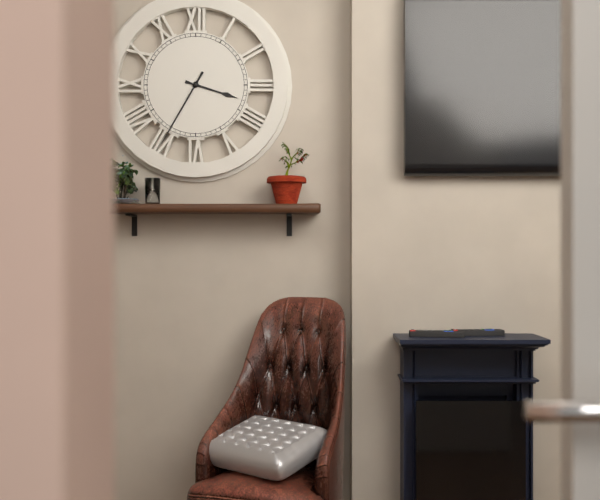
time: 3:35
